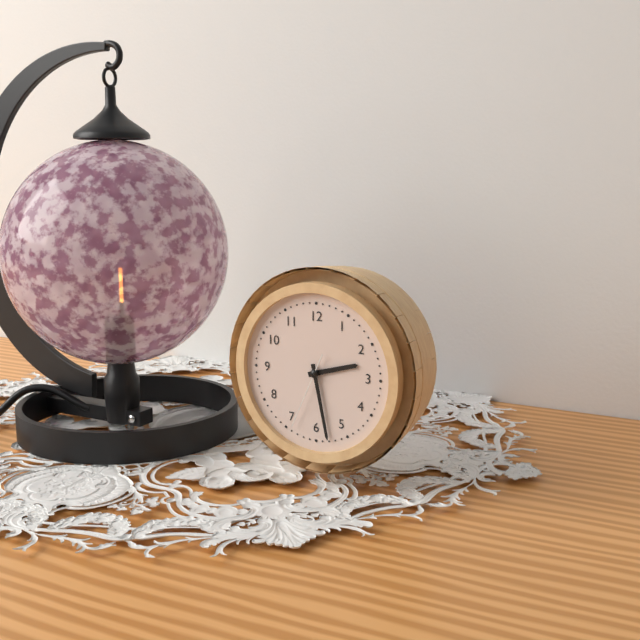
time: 2:28:34
